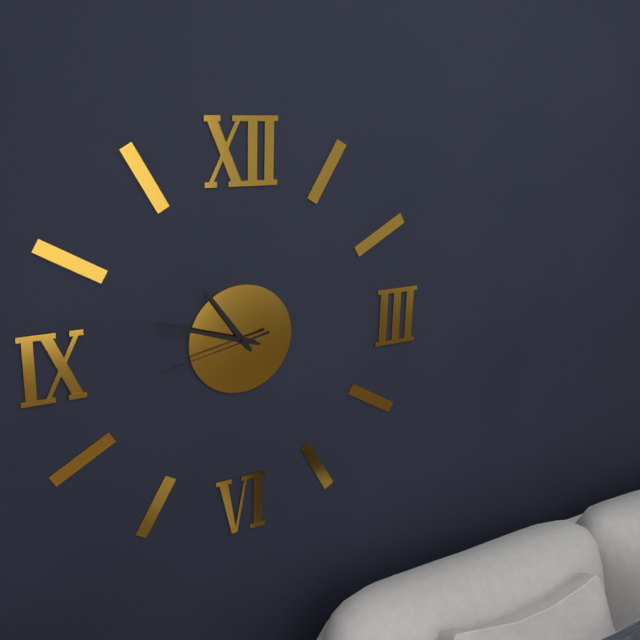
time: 10:48:43
